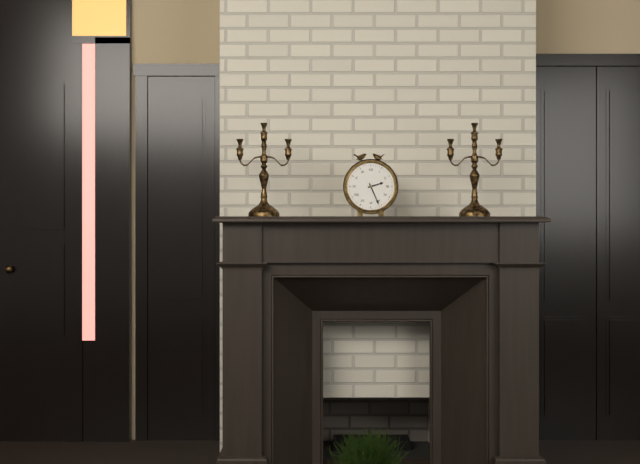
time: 2:26
